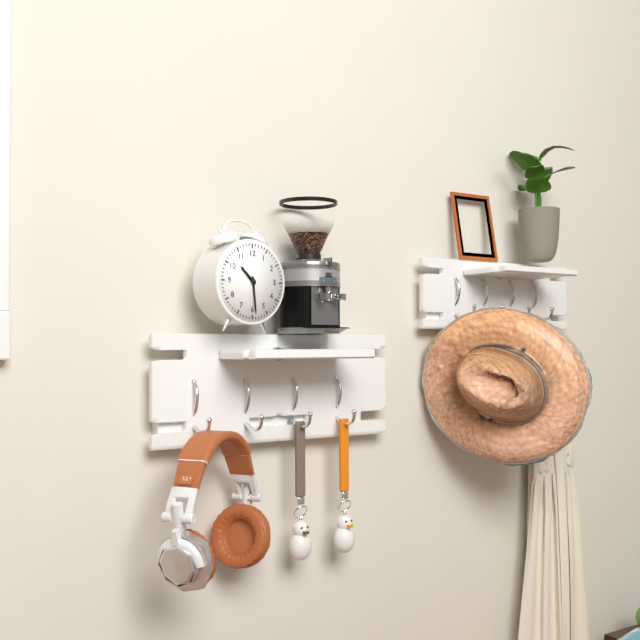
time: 10:29
